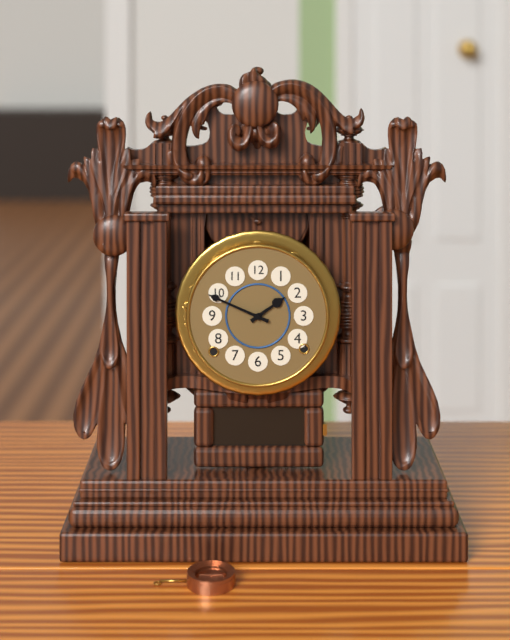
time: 1:49
